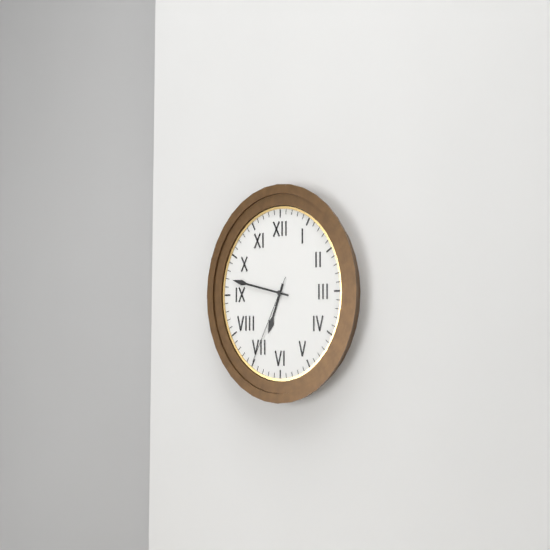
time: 6:47:35
